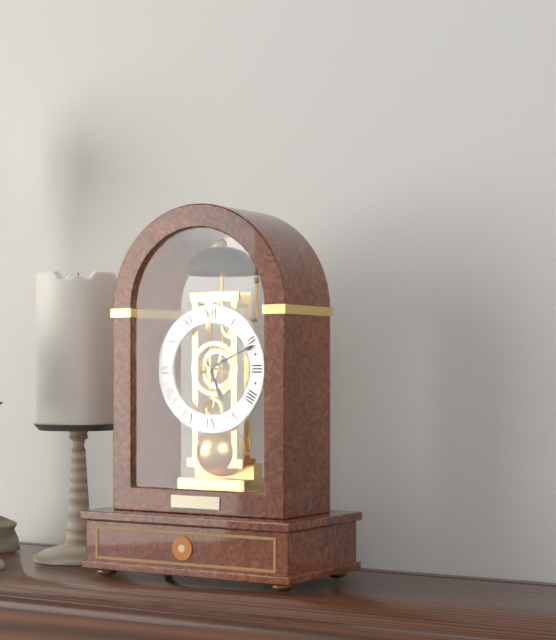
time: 5:11
